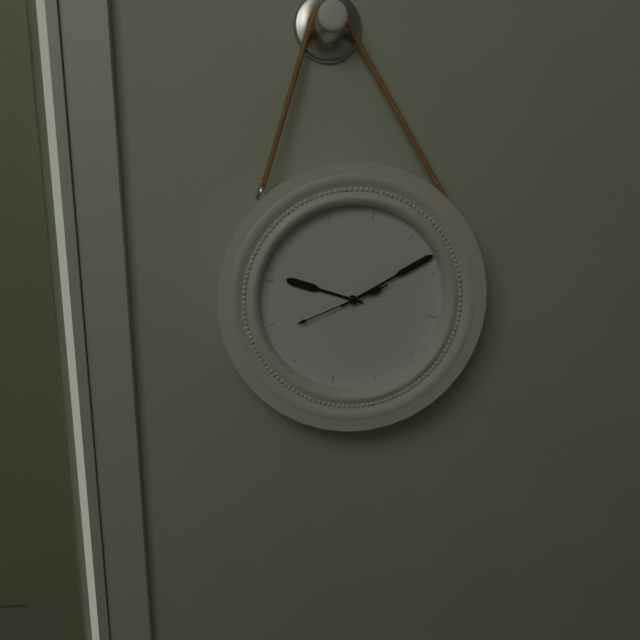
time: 9:08:39
